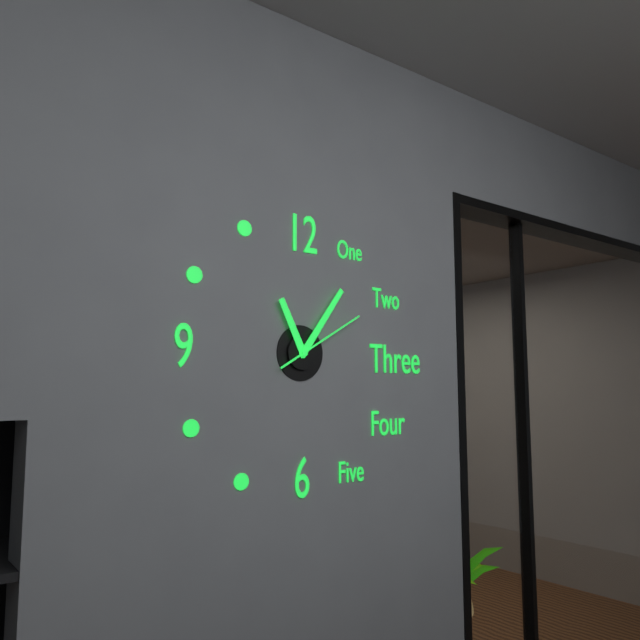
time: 11:06:10
